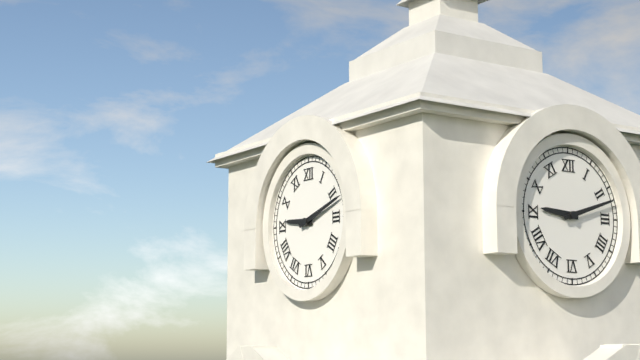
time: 9:12
